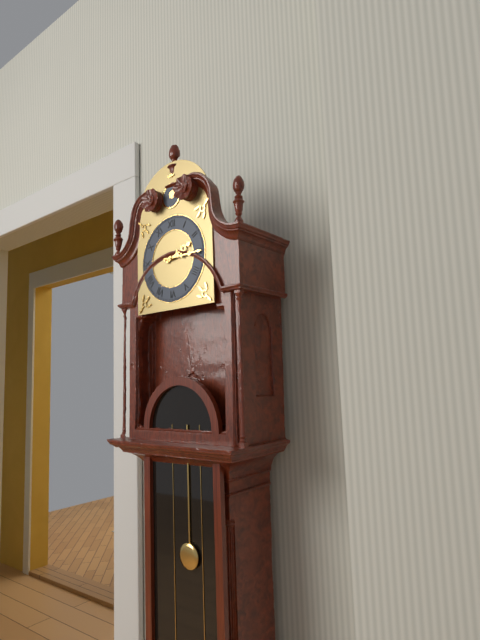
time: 2:15
